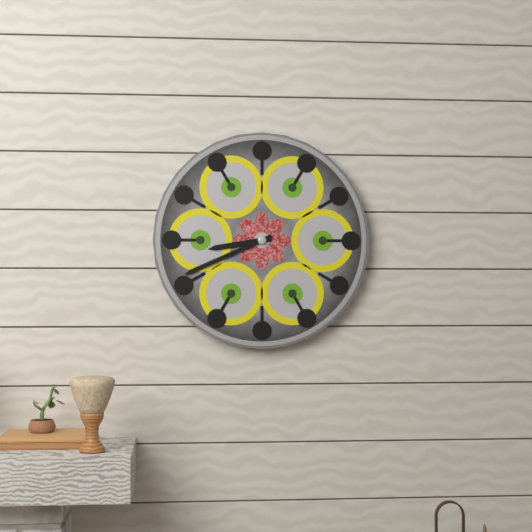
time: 8:41
